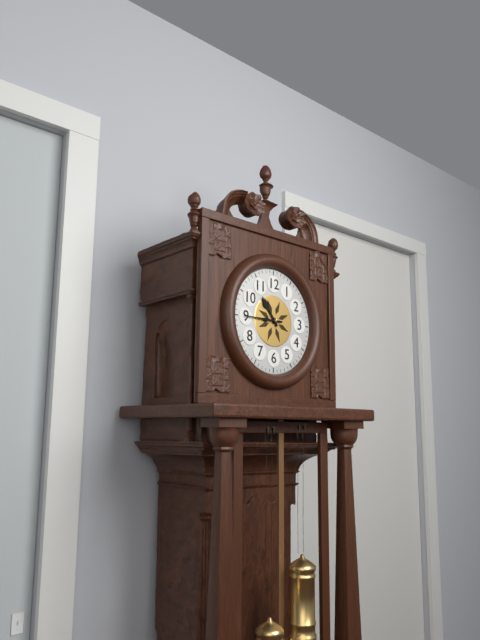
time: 10:45
